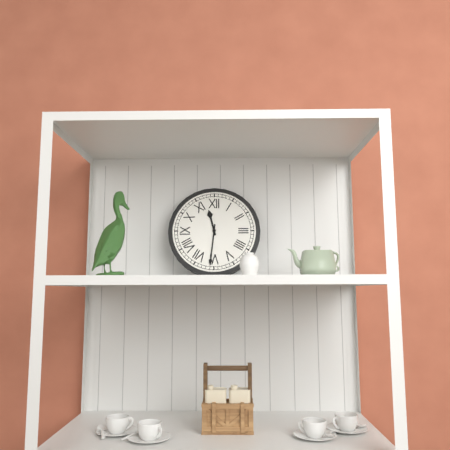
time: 11:31
